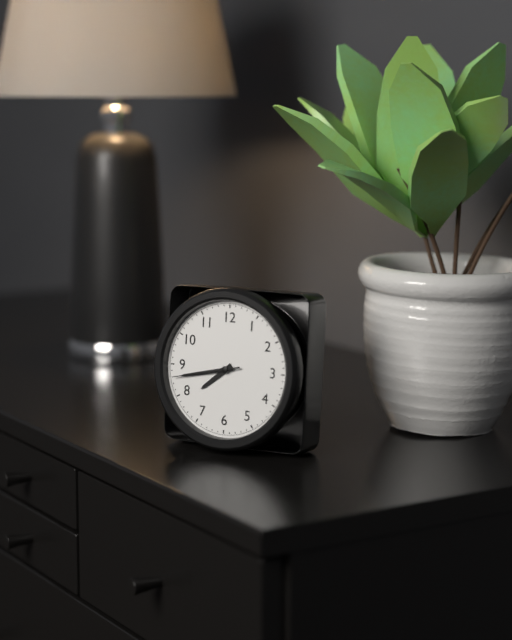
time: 7:43:43
